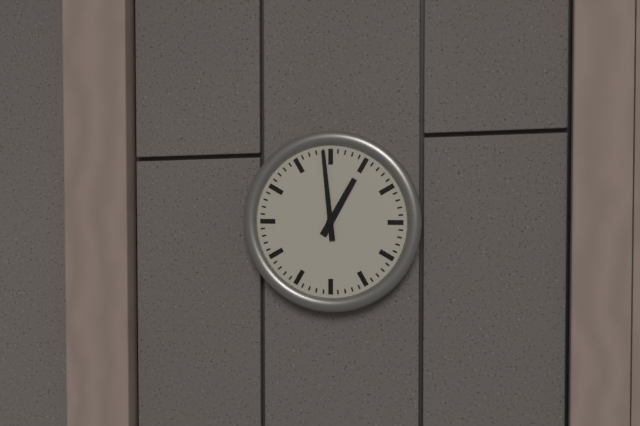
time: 12:59
